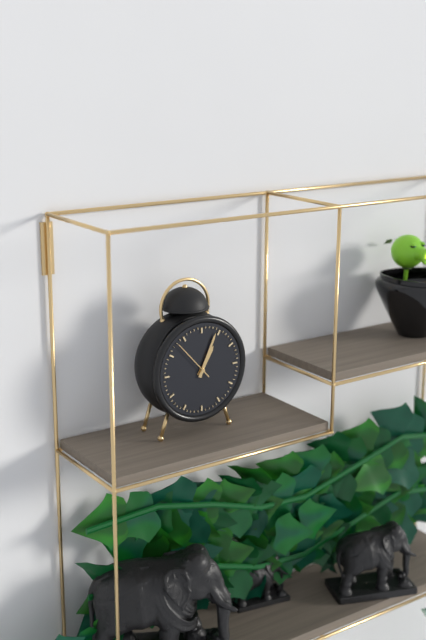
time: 1:04
